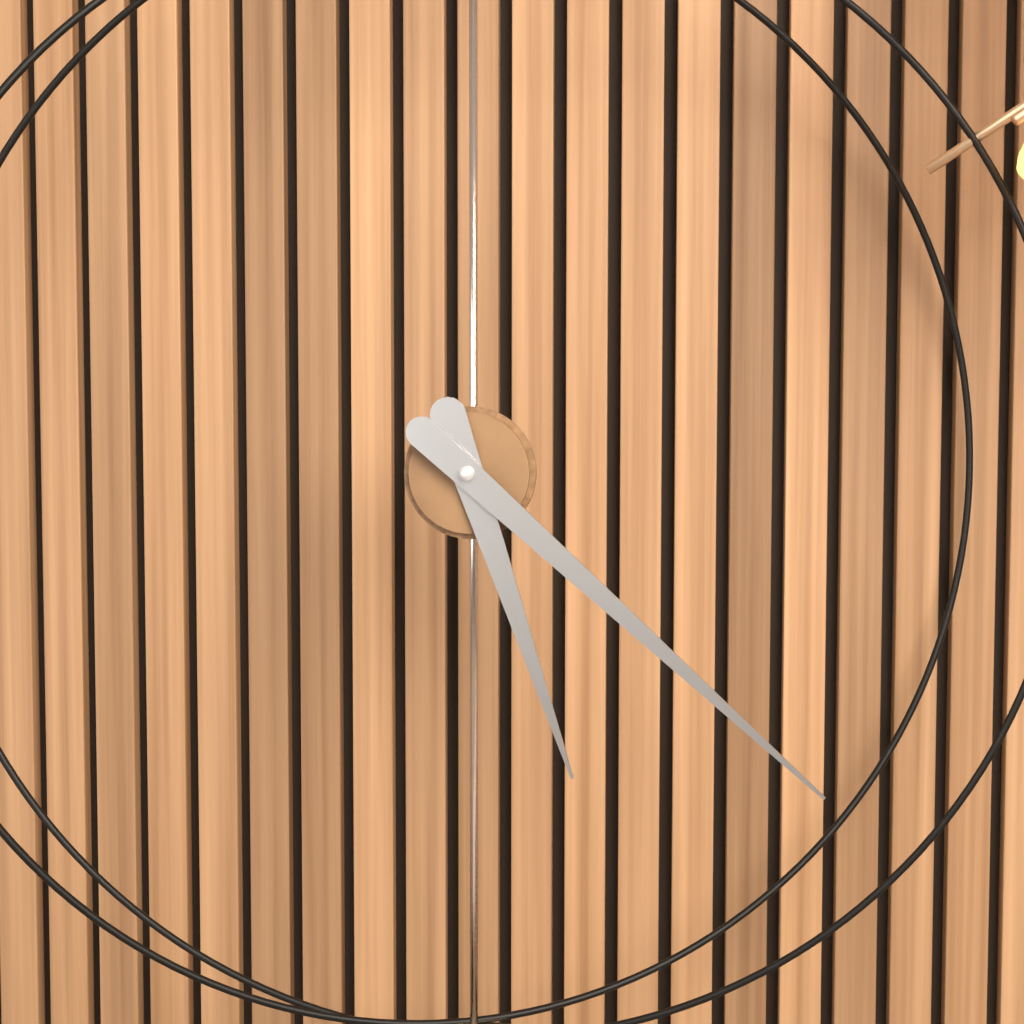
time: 5:22
